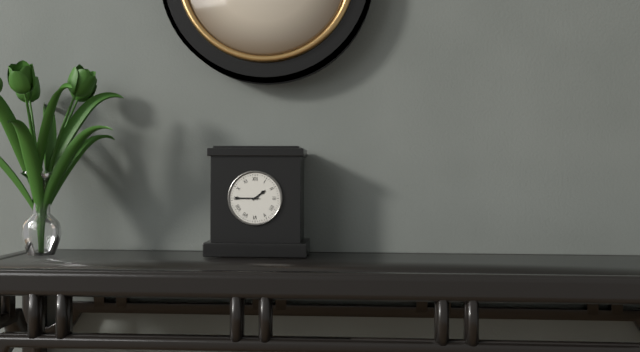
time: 1:45
